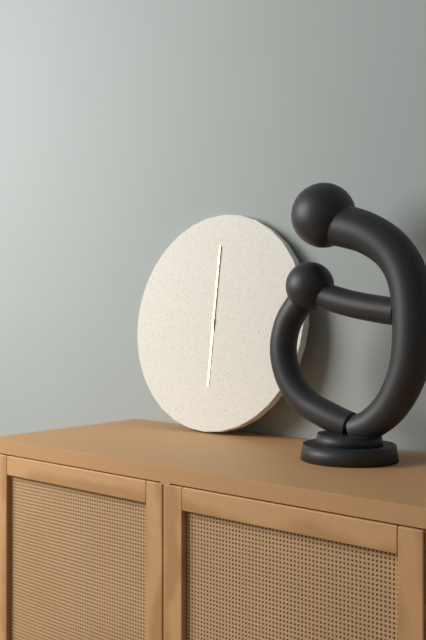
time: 6:00
